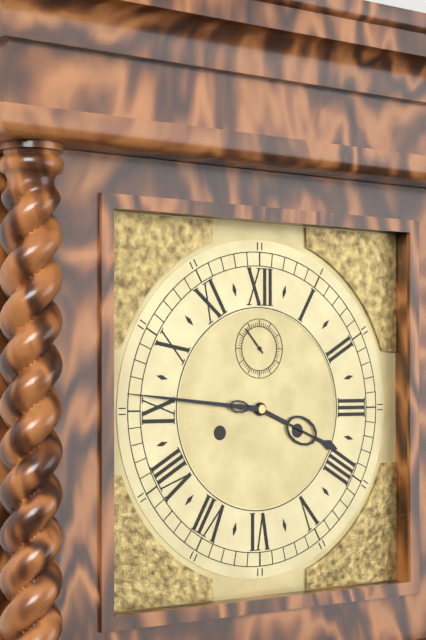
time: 3:46
